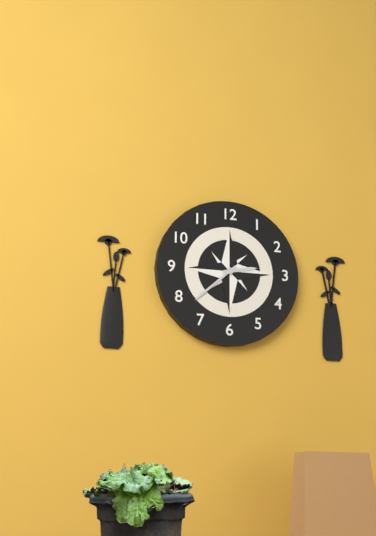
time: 2:38
